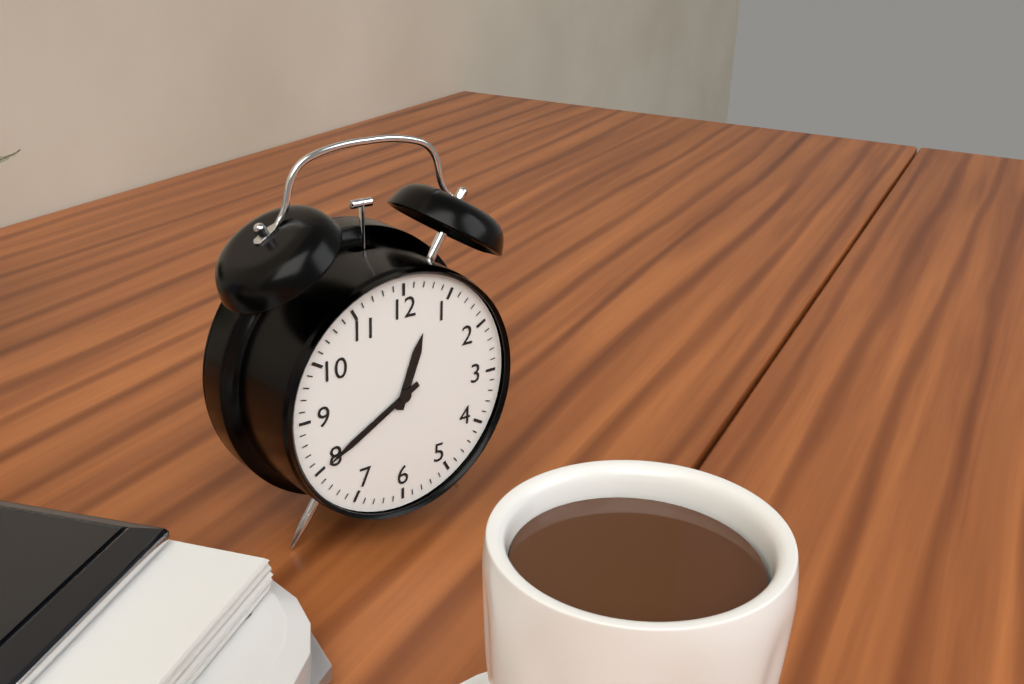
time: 12:40
